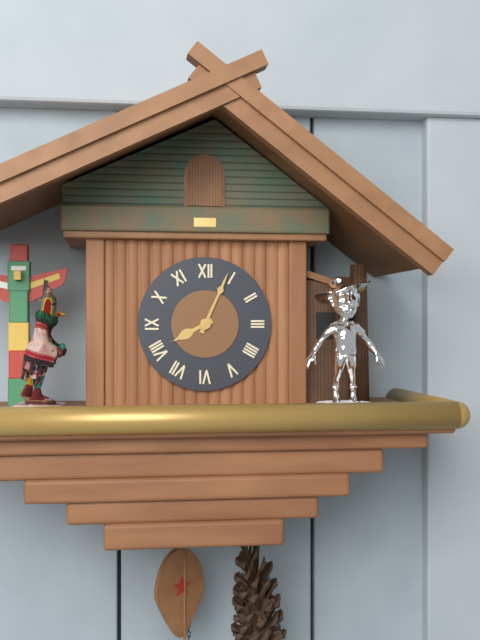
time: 8:04
